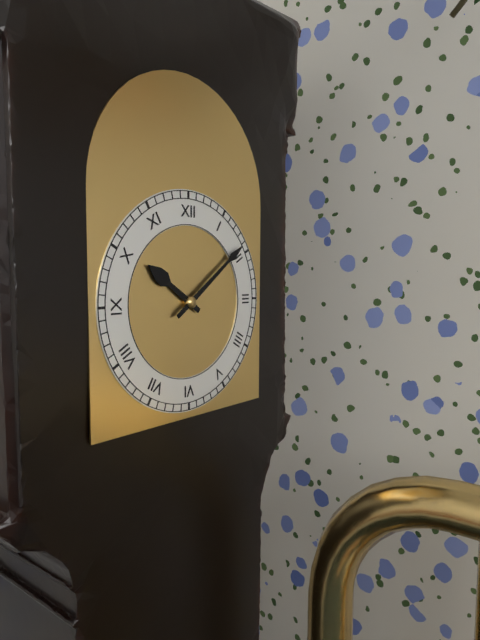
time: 10:09
